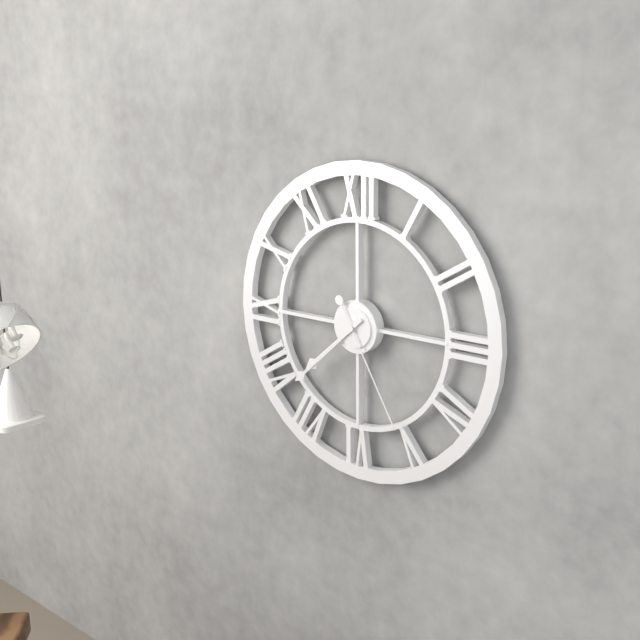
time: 7:38:25
